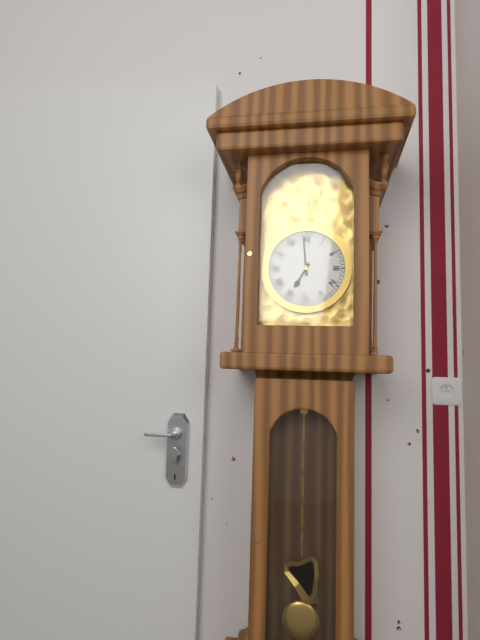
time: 6:59
